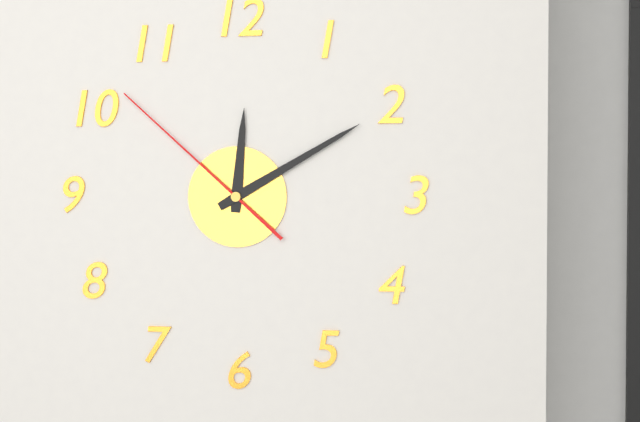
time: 12:10:52
